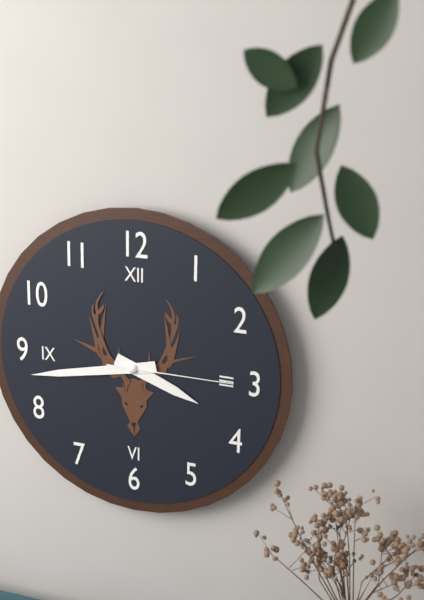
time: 3:43:15
